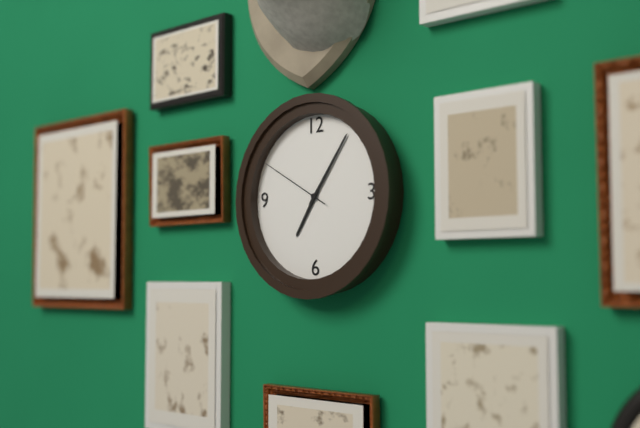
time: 7:06:50
